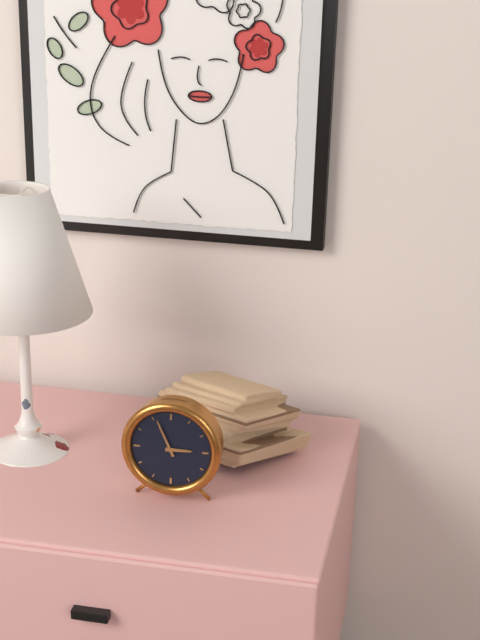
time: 2:56
